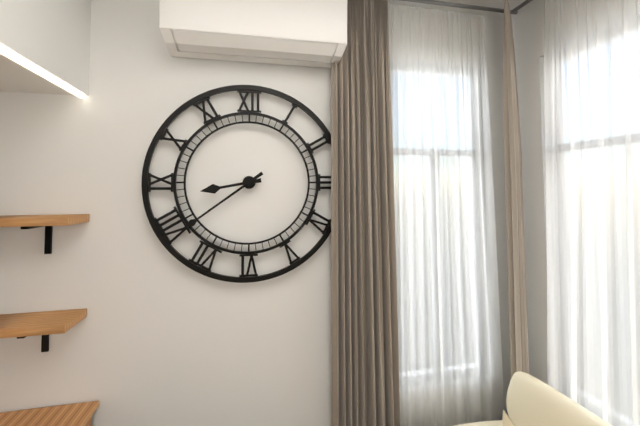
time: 8:39
